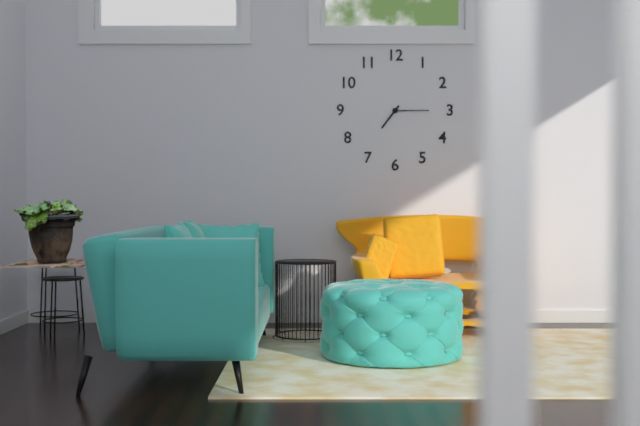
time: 7:15
